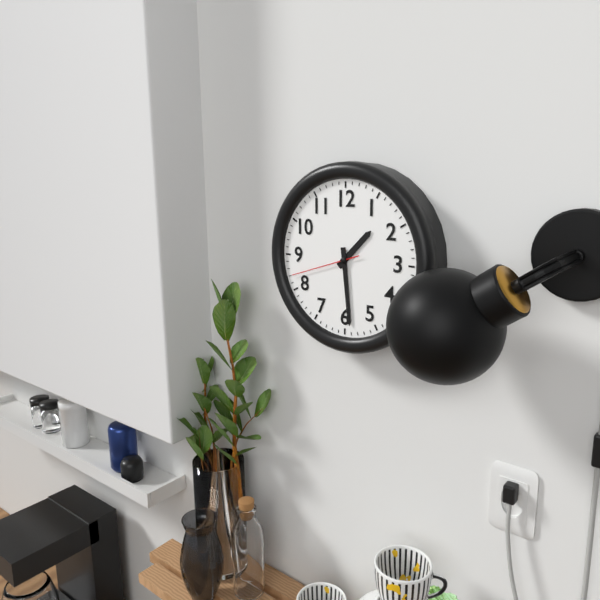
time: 1:29:42
